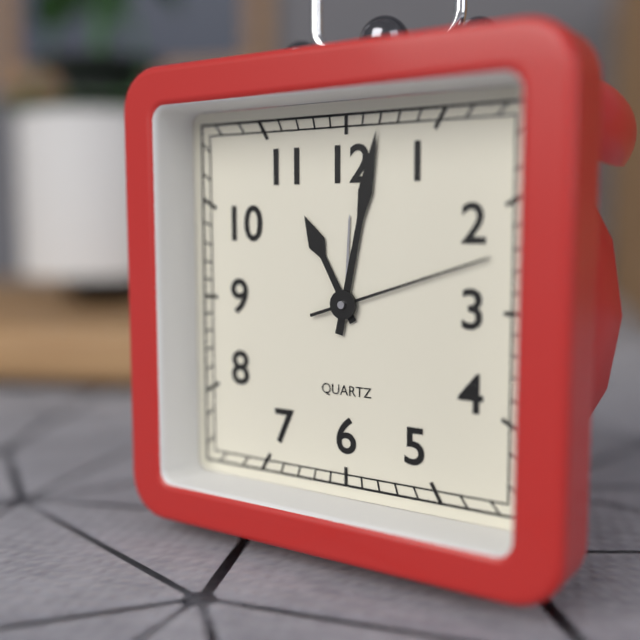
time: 11:02:12
